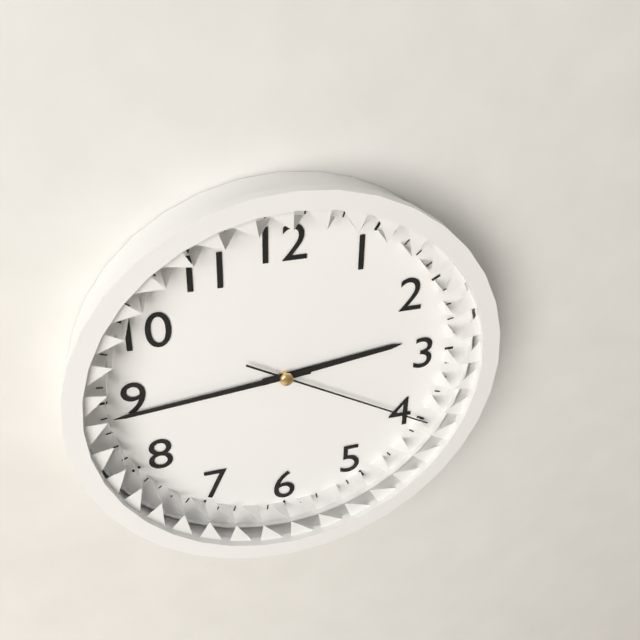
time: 2:44:20
